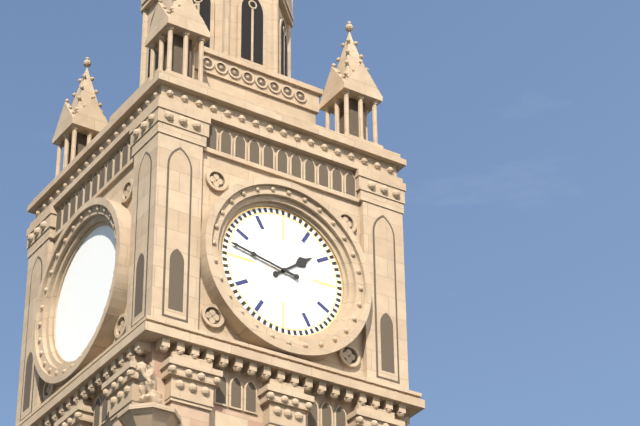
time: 1:47
